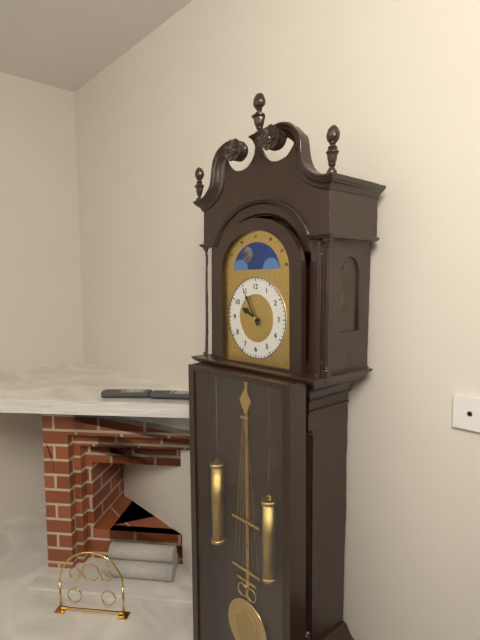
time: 9:55
